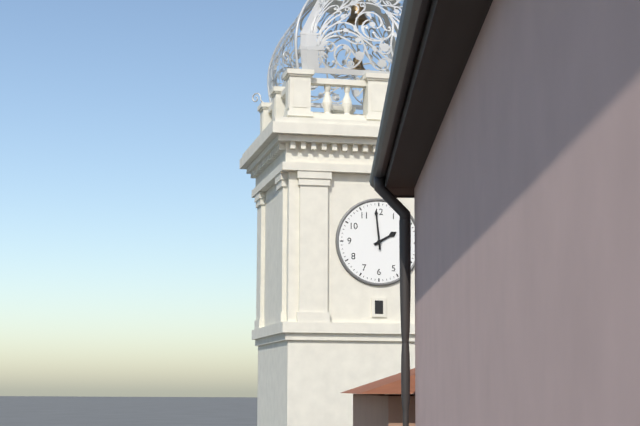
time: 1:59
